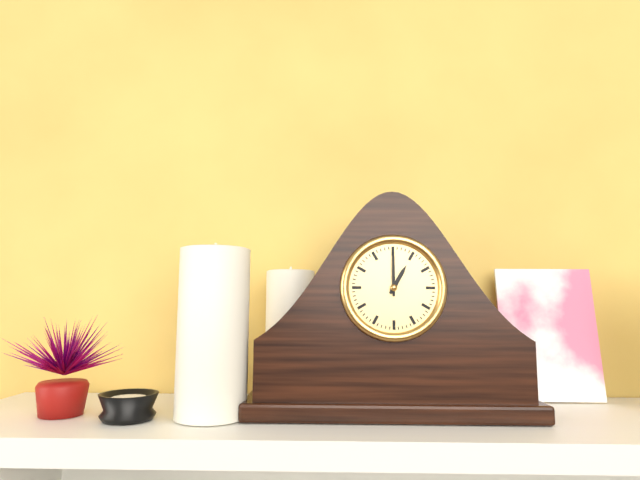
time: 1:00
